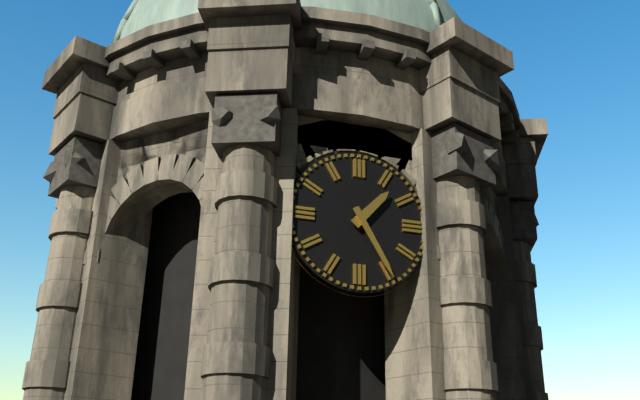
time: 1:25
